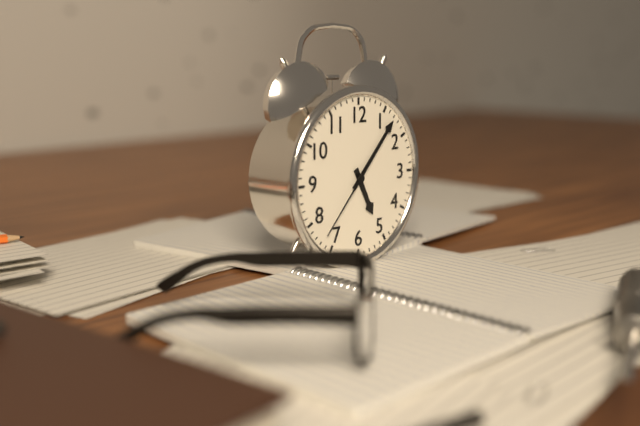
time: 5:07:37
